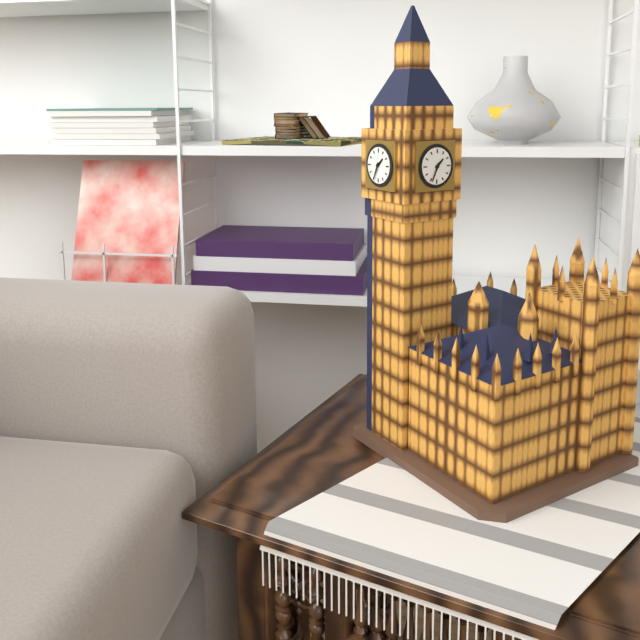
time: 1:34
